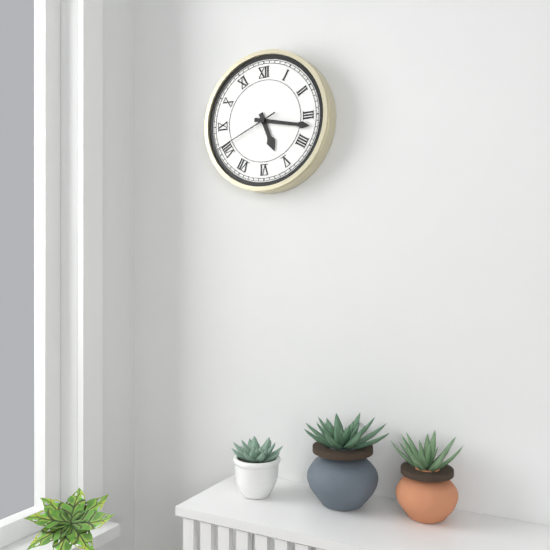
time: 5:17:41
